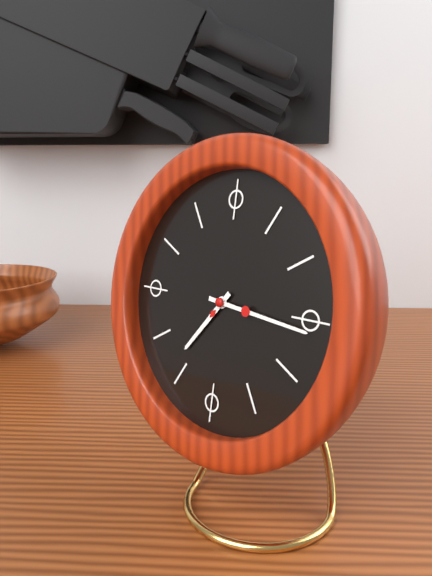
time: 7:16
